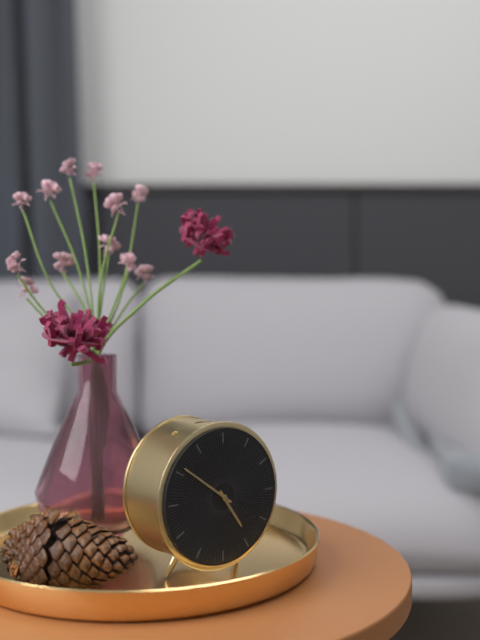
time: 4:51
